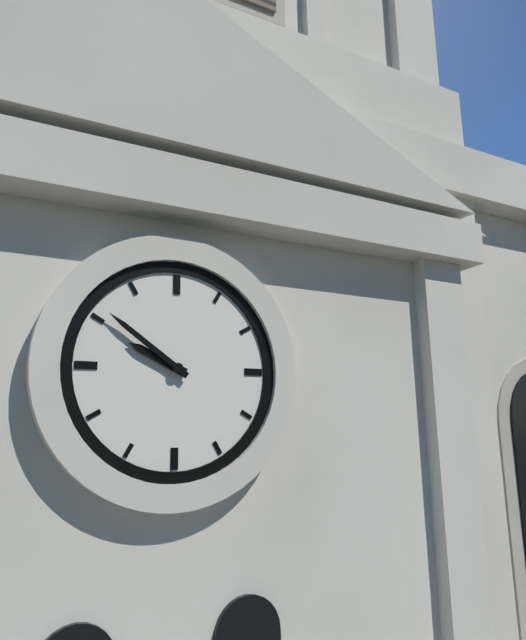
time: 9:51
